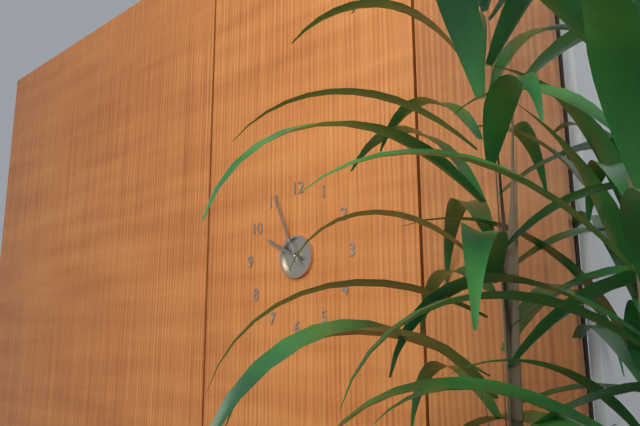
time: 9:56
